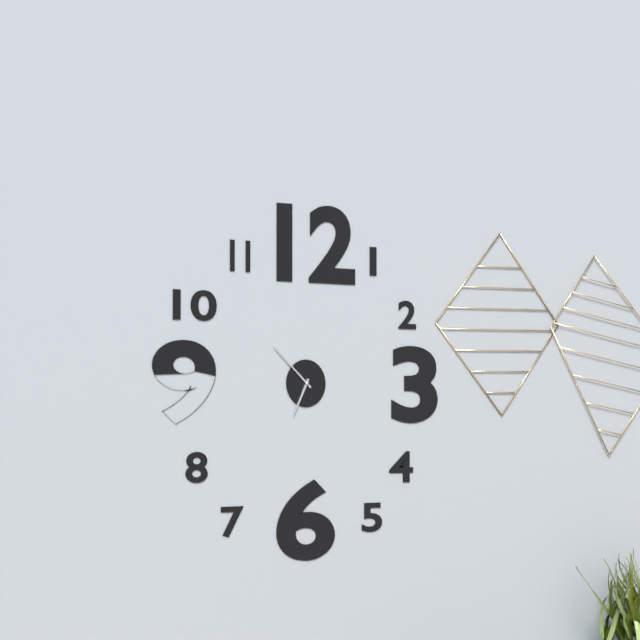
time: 6:52
